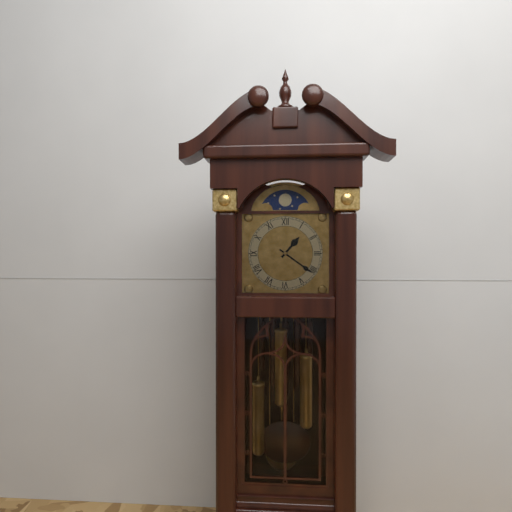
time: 1:21
